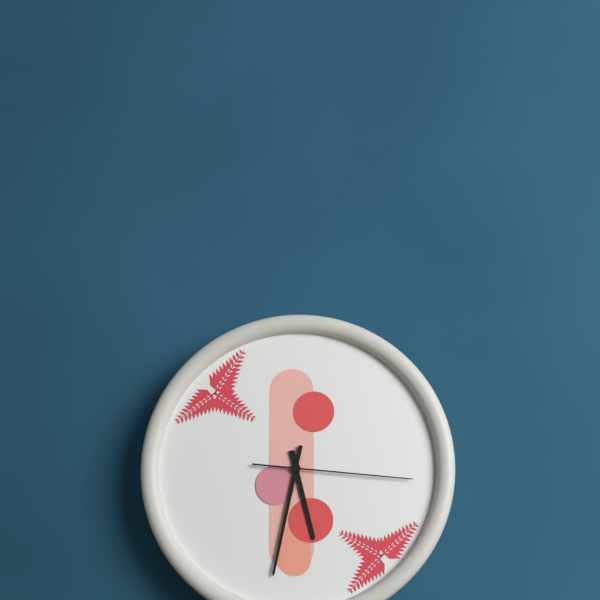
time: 5:32:16
